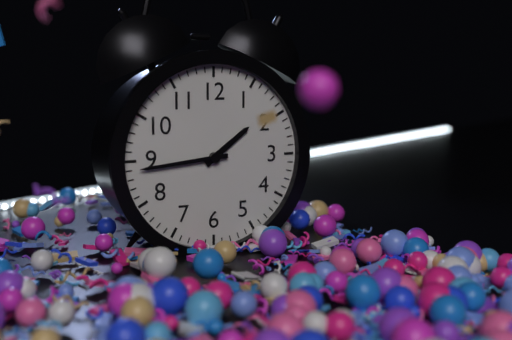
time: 1:44
